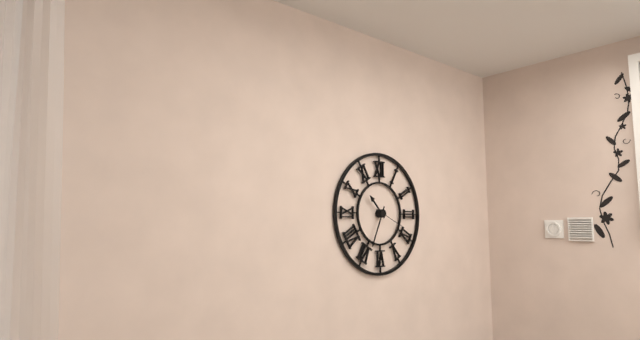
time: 10:34
